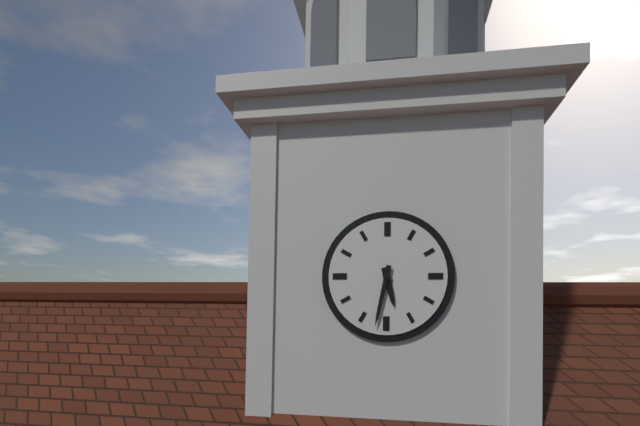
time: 5:32
